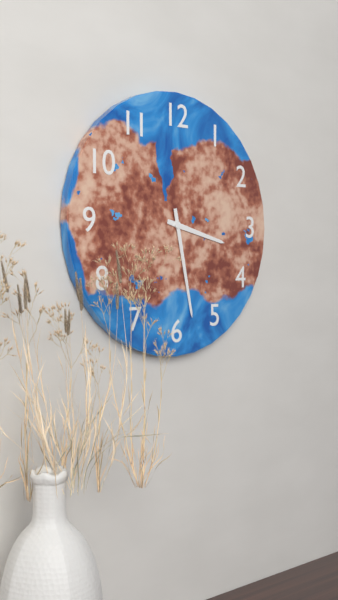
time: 3:28
